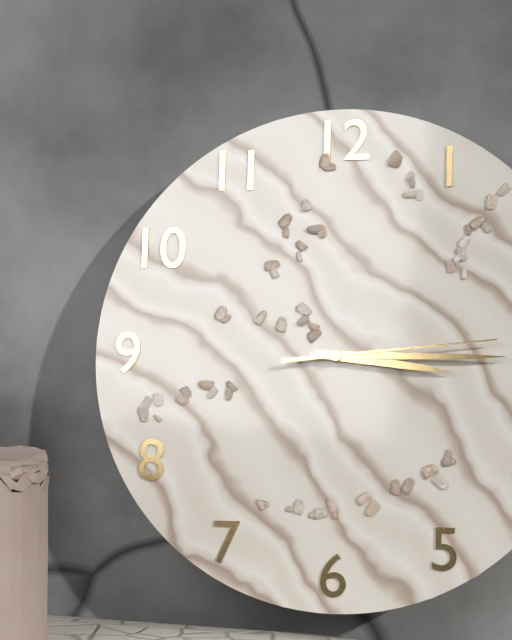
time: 3:15:14
